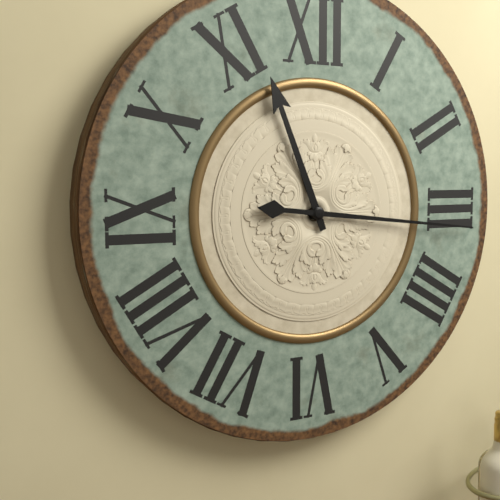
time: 11:16
